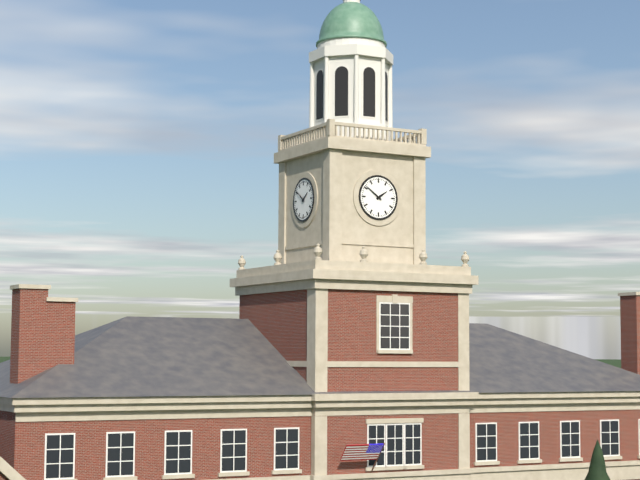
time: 1:51
